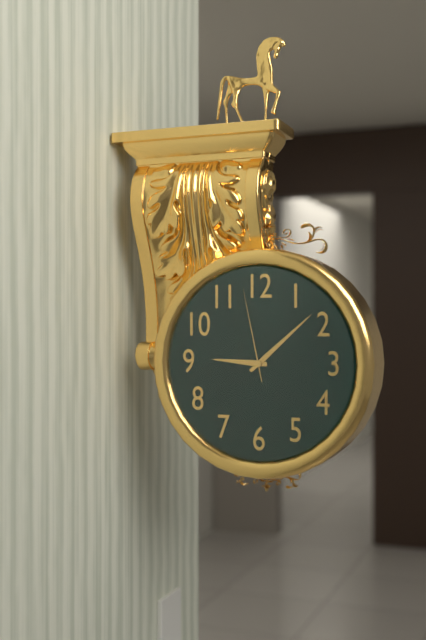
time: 9:08:58
